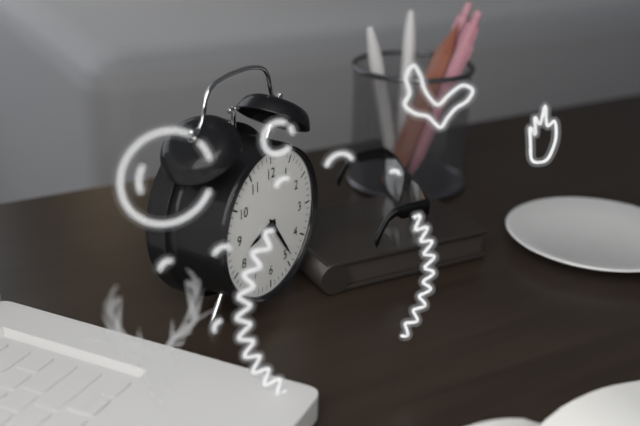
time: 8:24
